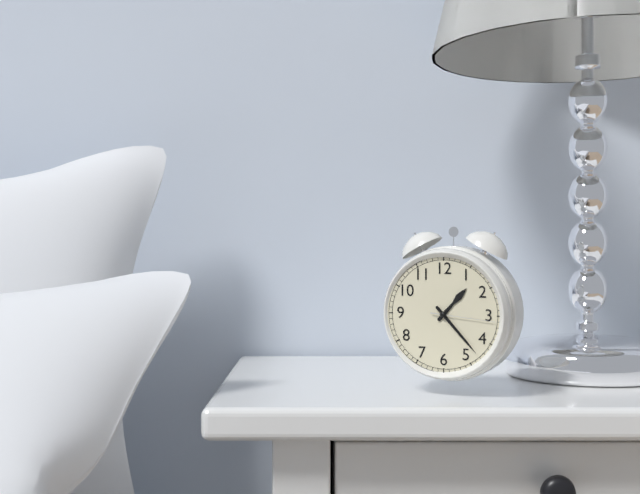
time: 1:23:16
